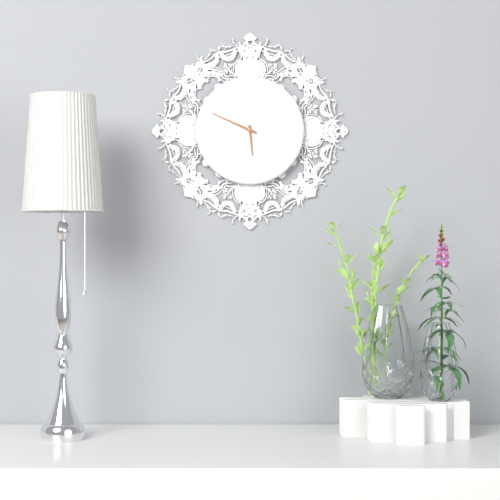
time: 5:49
